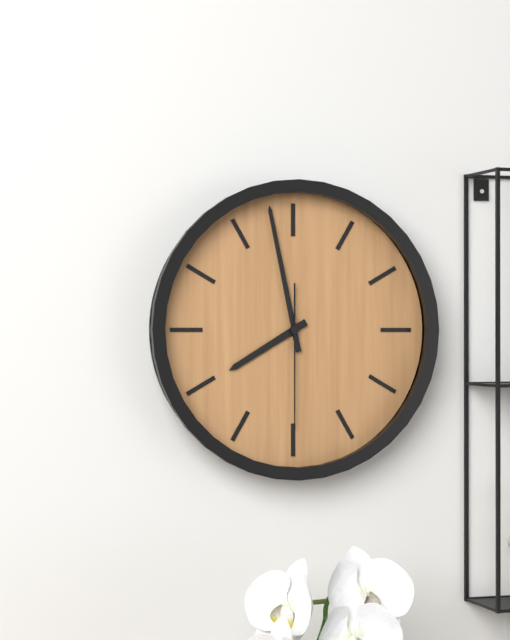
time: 7:58:30
